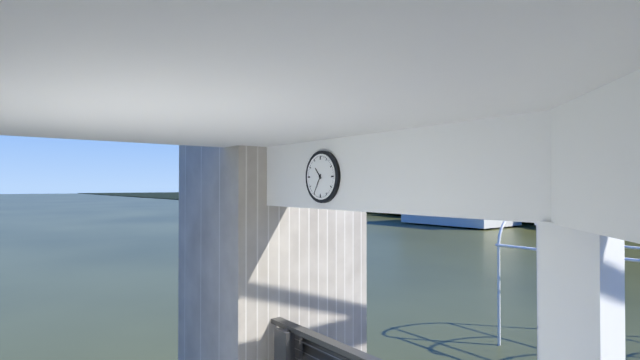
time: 10:35
